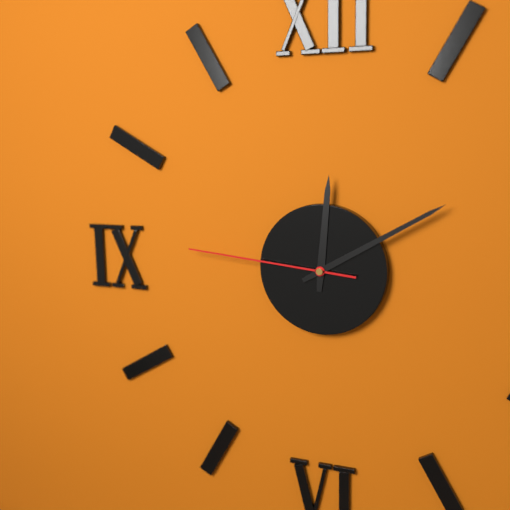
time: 12:10:46
